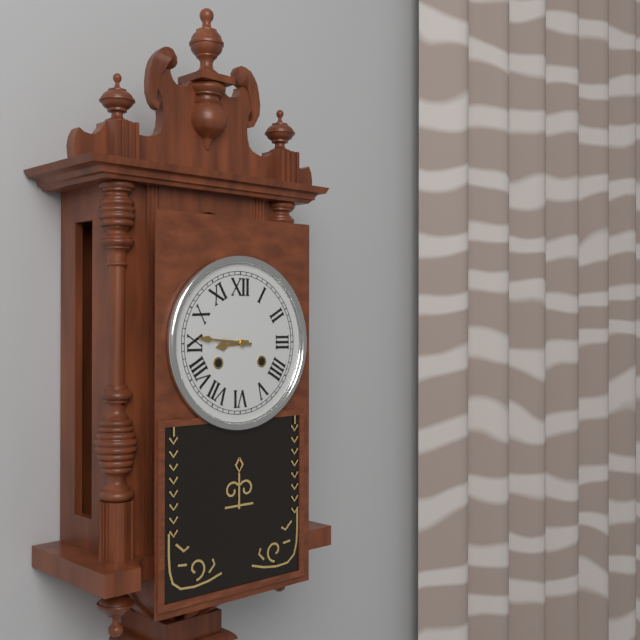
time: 8:46
